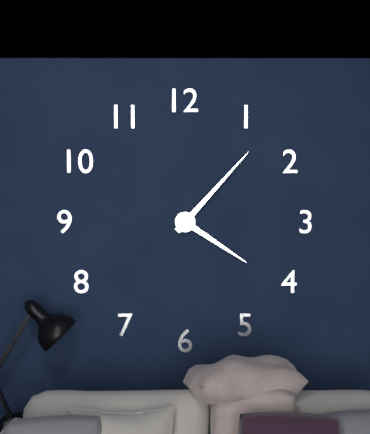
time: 4:07
